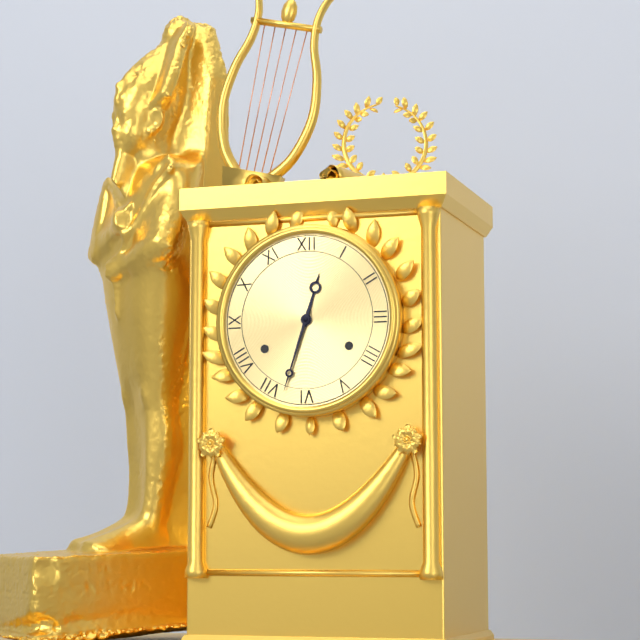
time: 12:33
